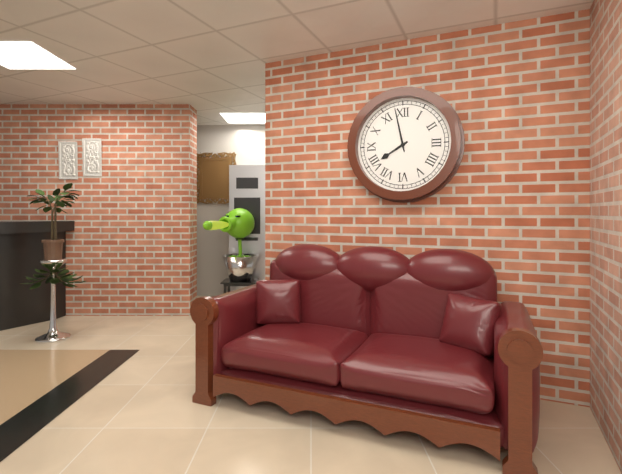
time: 7:58
